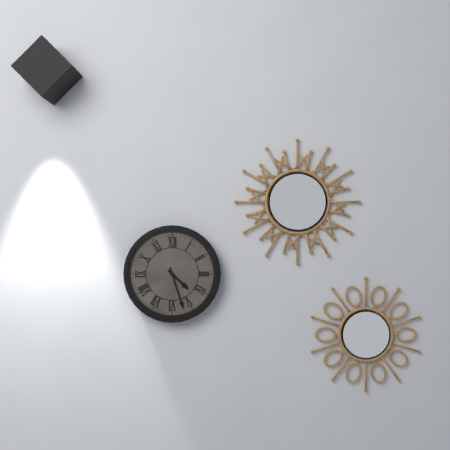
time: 4:27
